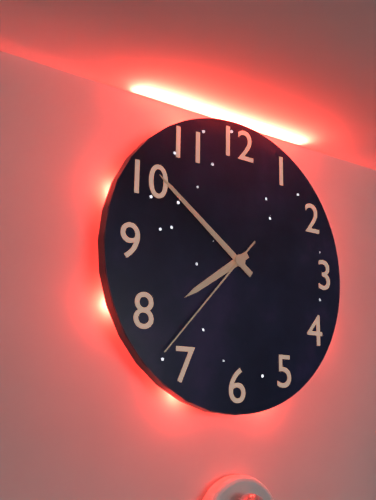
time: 7:51:37
